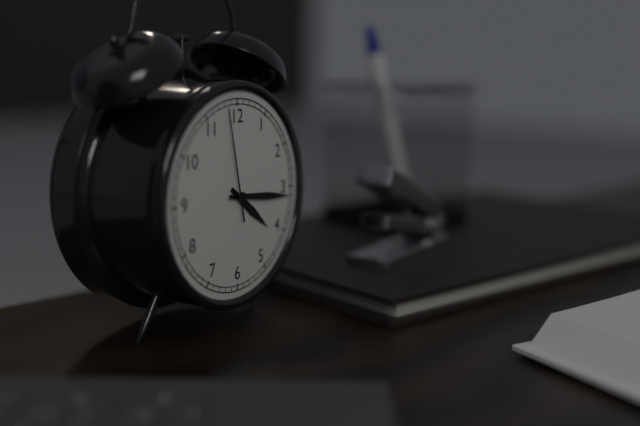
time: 4:16:58
